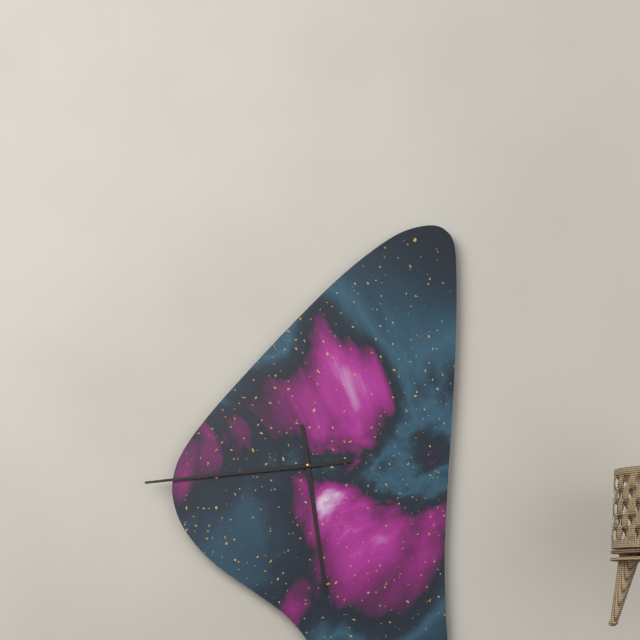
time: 5:44
